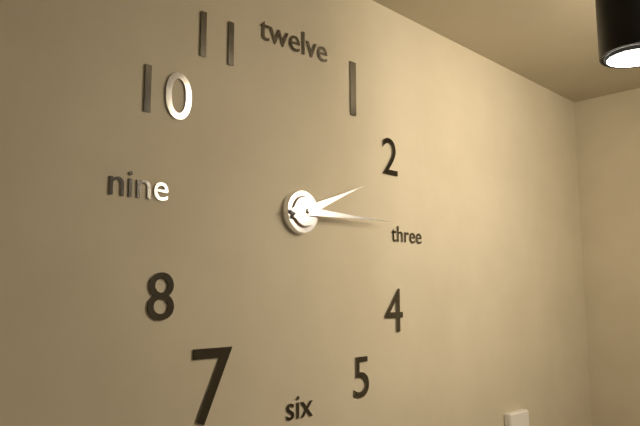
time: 2:15
